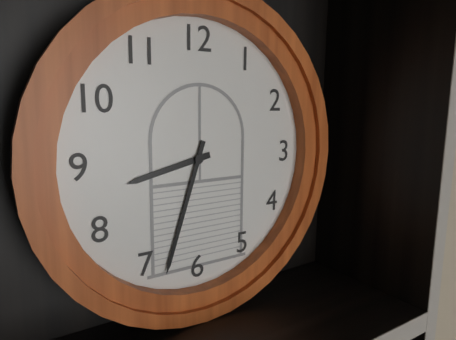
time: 8:33
